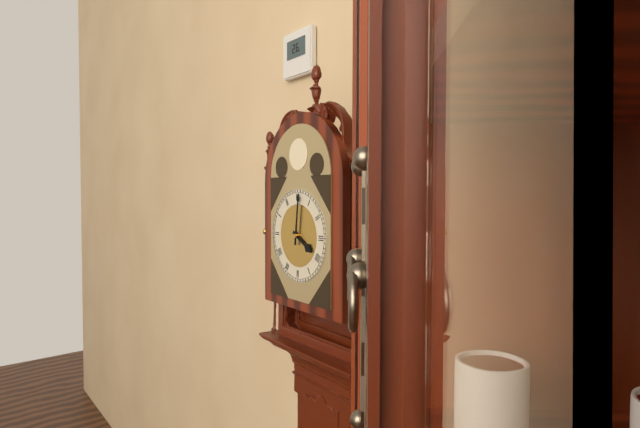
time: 4:01
